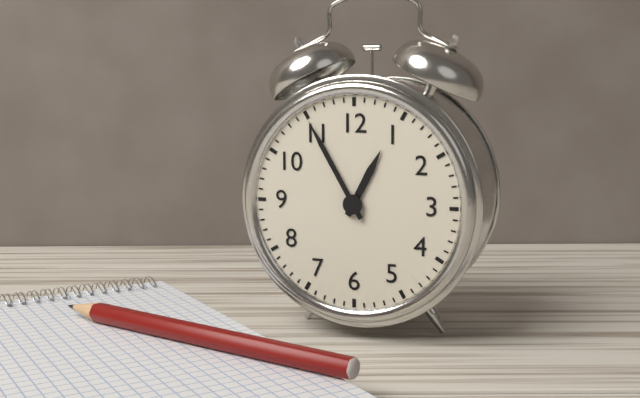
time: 12:55
